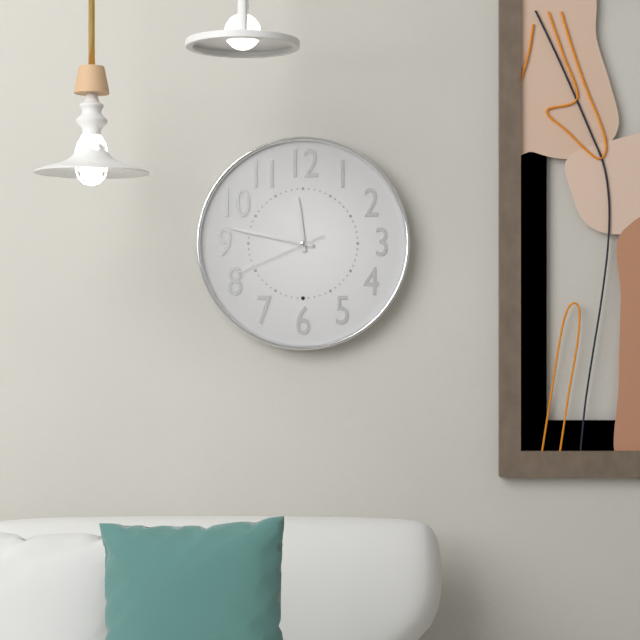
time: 11:47:41
